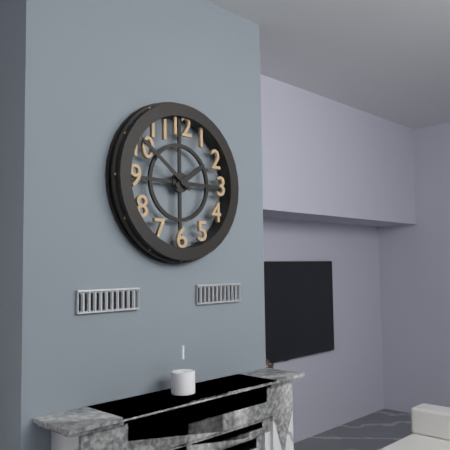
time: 1:51
